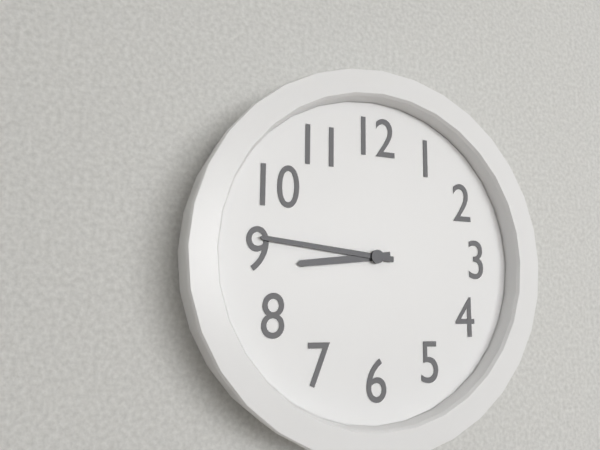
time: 8:46
